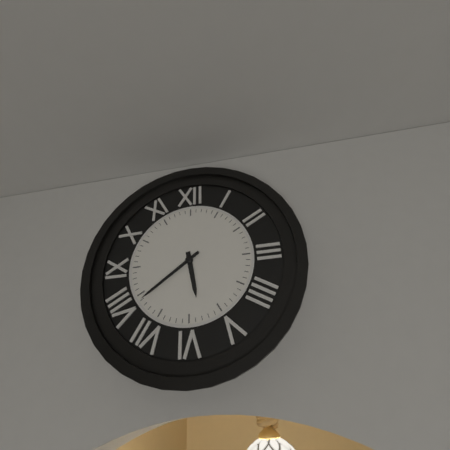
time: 5:39
